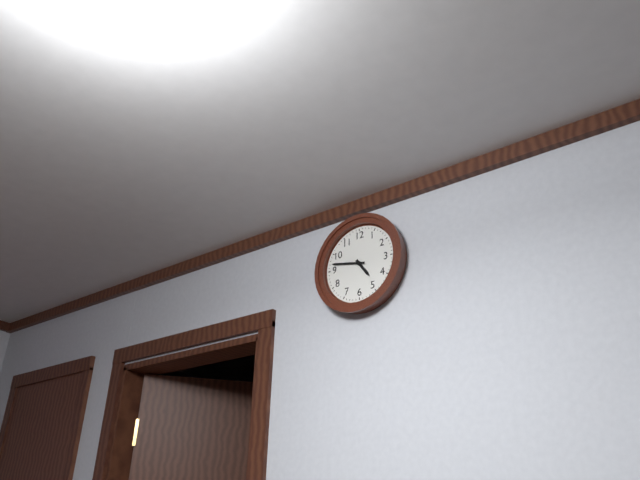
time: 4:47
